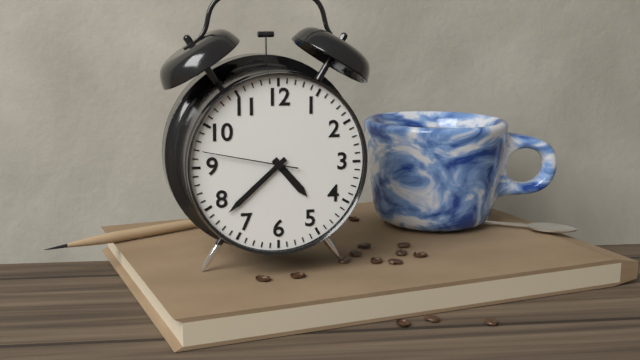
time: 4:38:47
